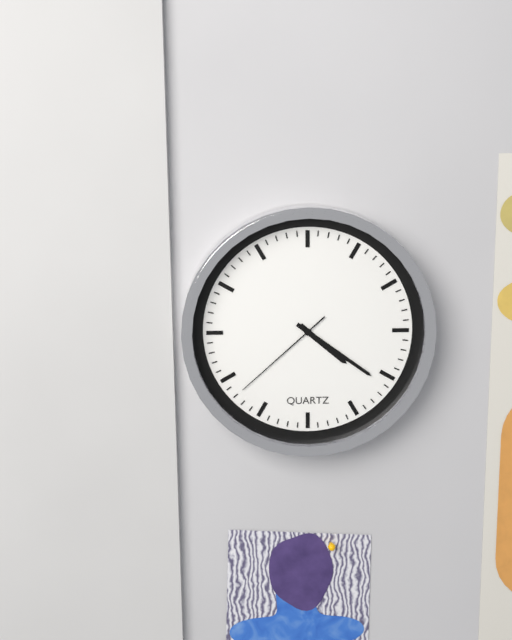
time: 4:21:38
